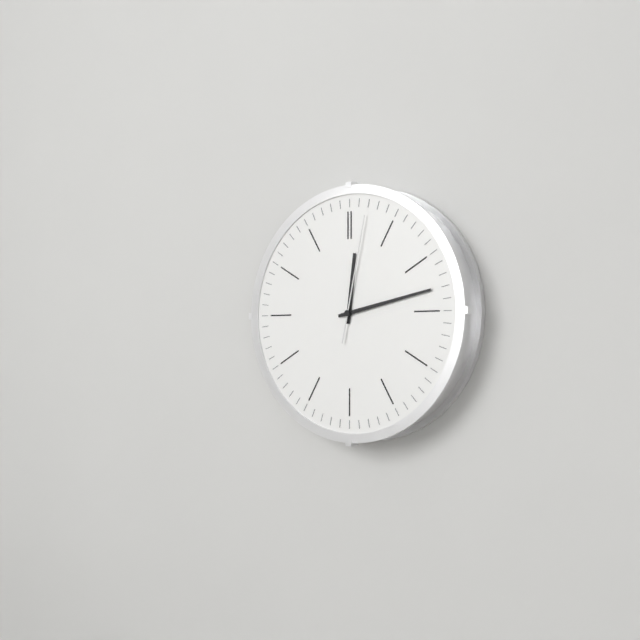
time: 12:13:02
